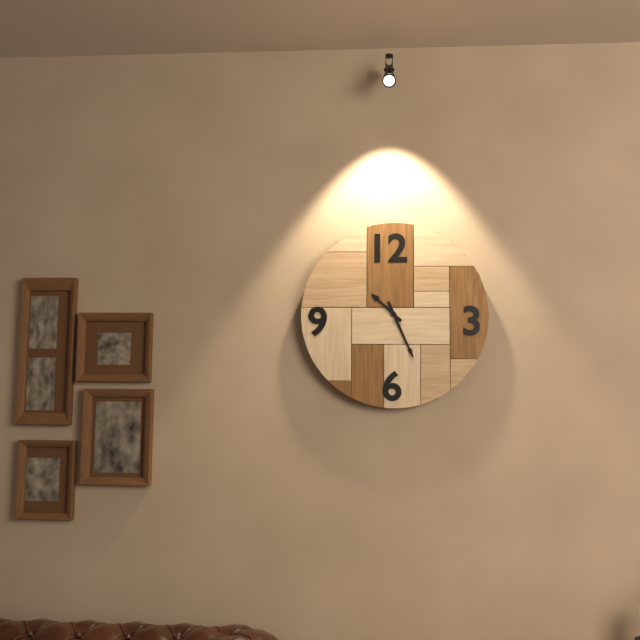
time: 10:26
